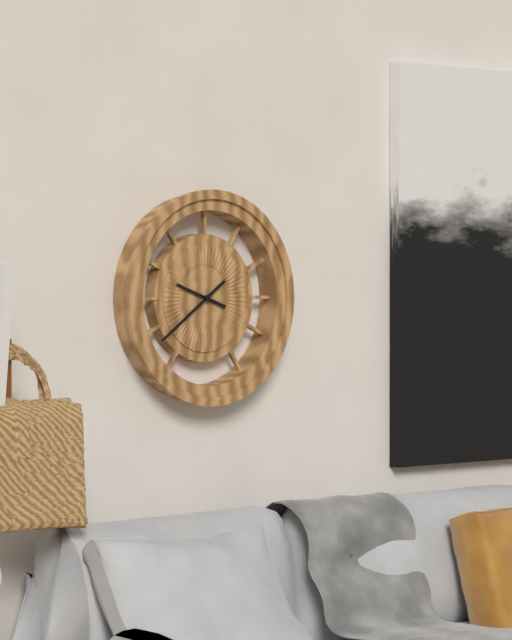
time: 9:39
